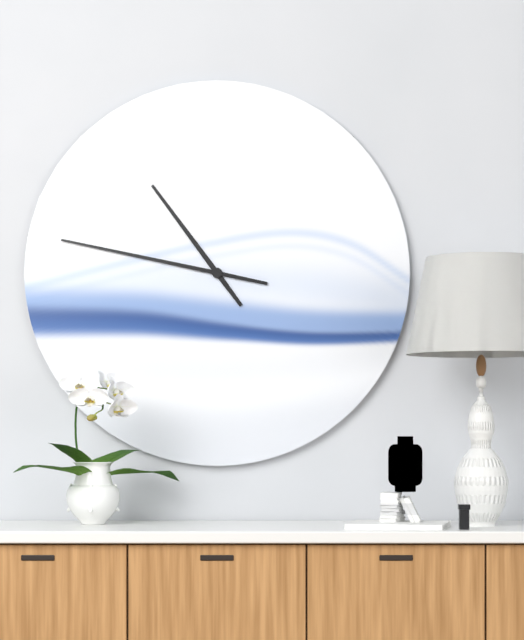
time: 10:47
